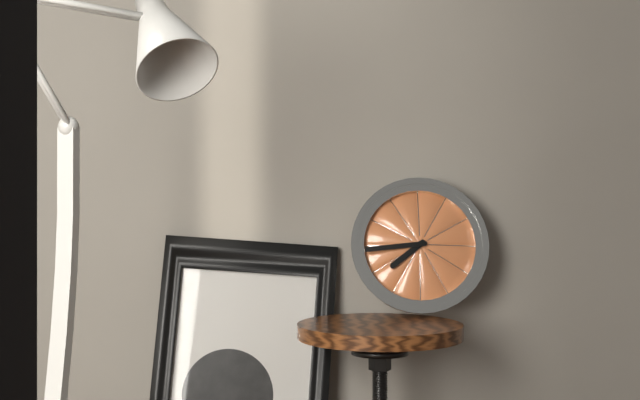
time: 7:44
